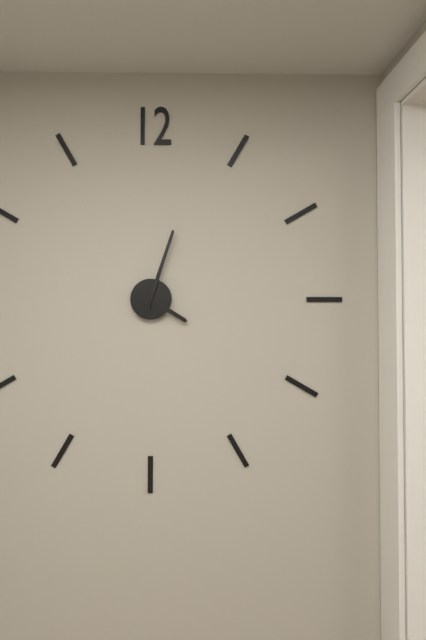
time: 4:03
